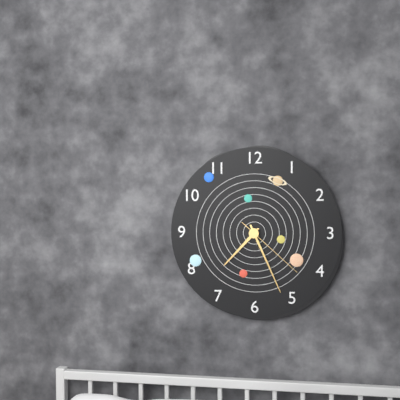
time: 7:26:22
